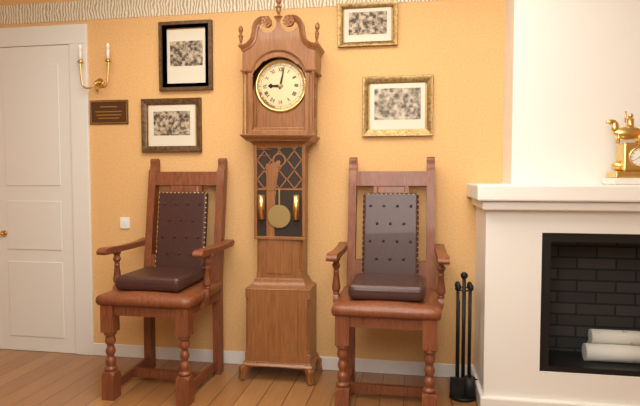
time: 9:02
